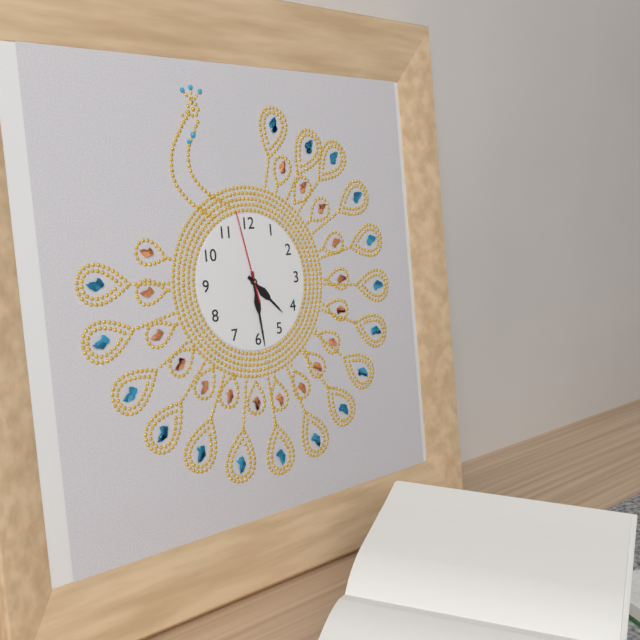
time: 4:29:58
